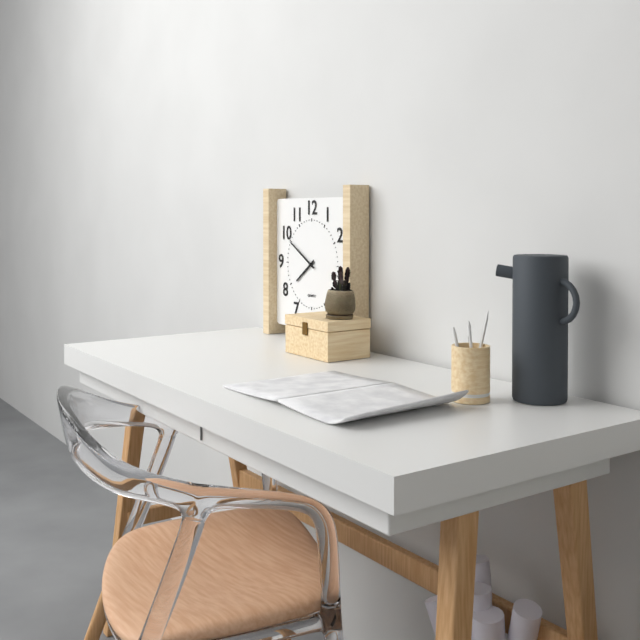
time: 7:50
